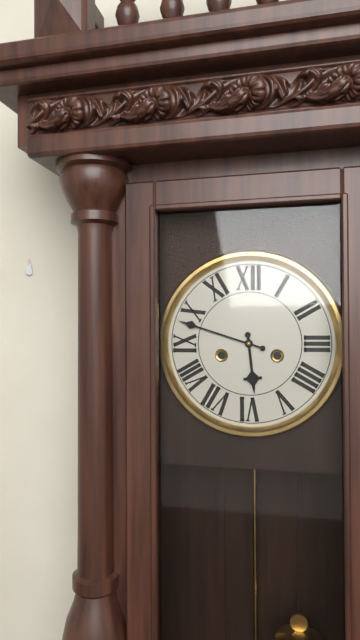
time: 5:48
